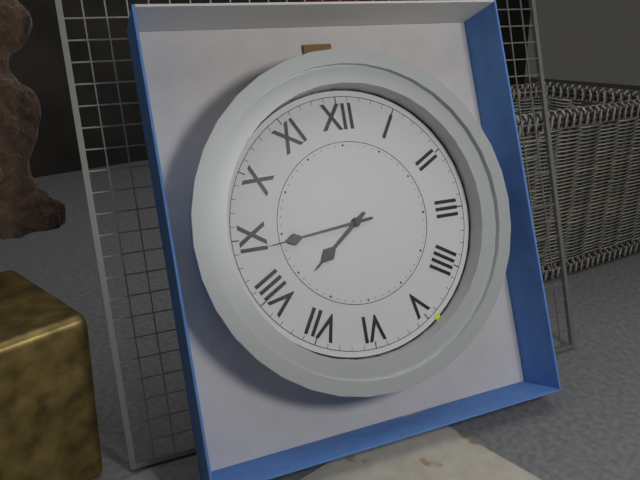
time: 7:44
